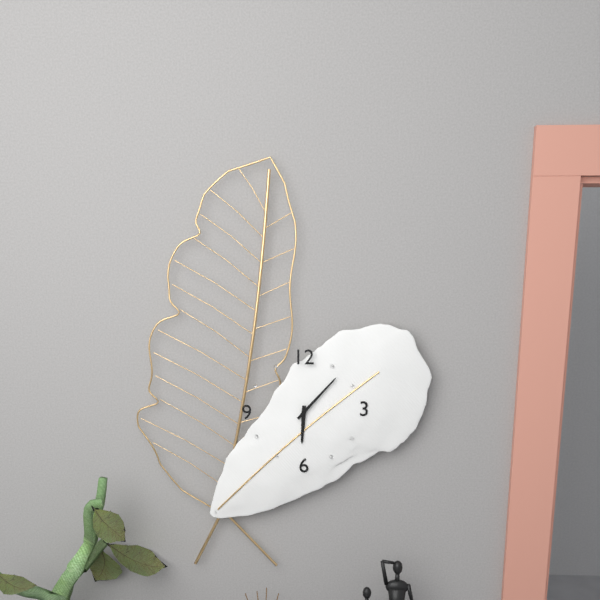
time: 6:07
